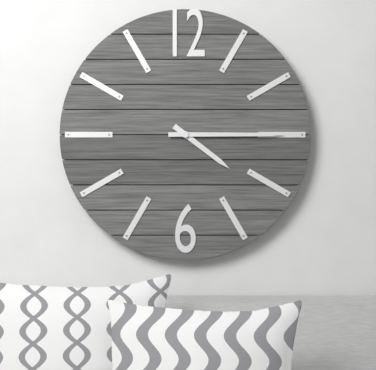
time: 4:15
